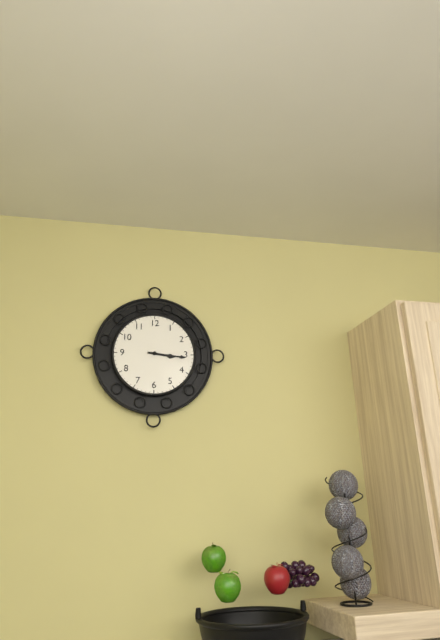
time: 3:16
